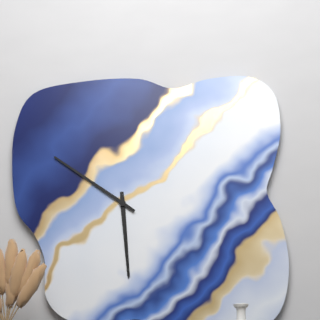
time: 5:51
